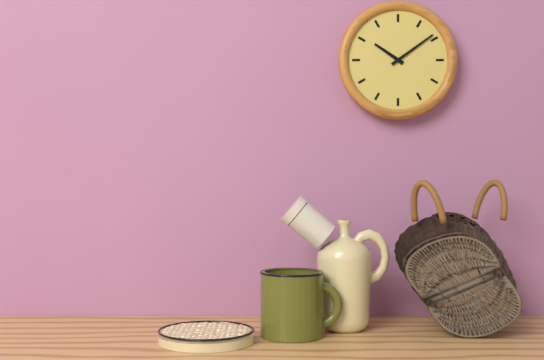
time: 10:09
